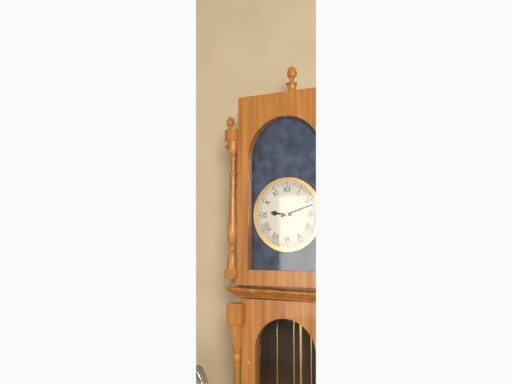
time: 9:12
